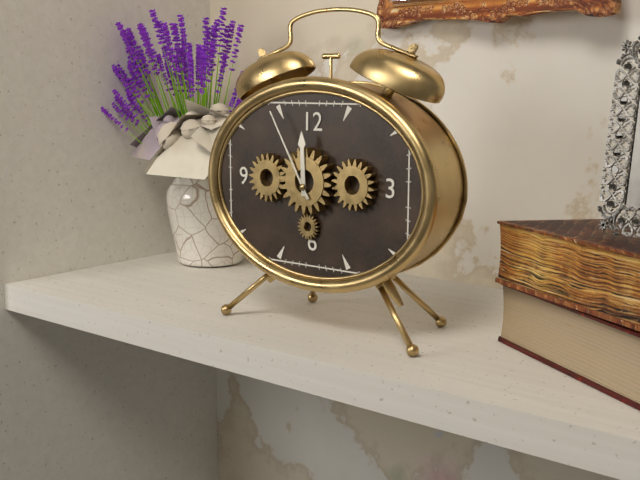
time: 11:55
